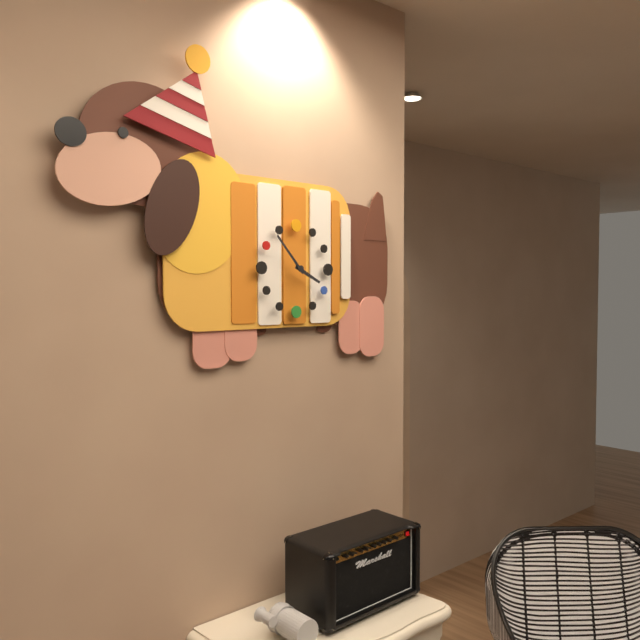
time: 3:53
